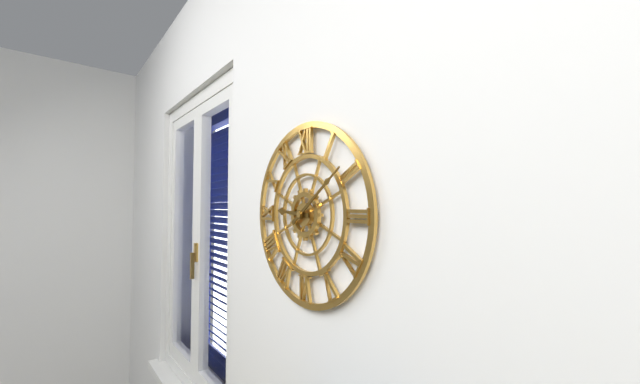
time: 9:09
